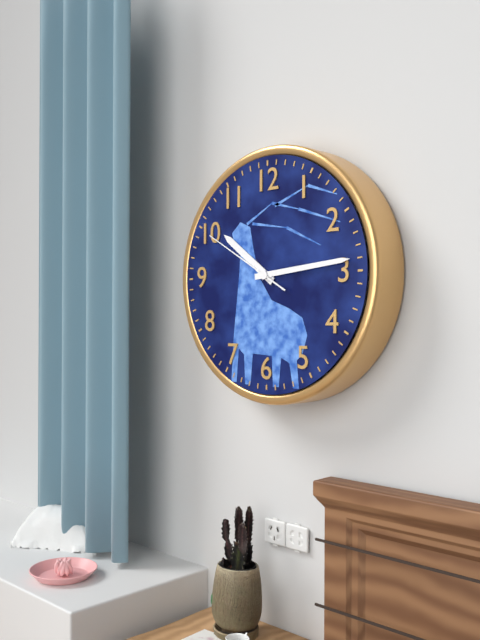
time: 10:14:50
